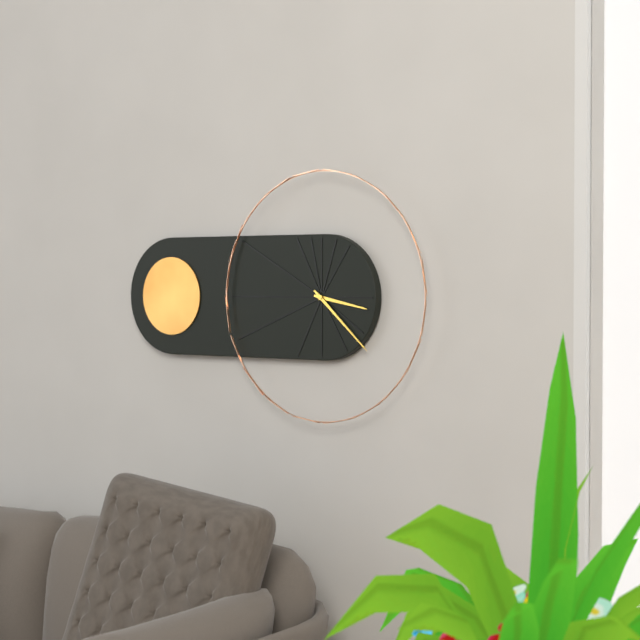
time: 3:22
